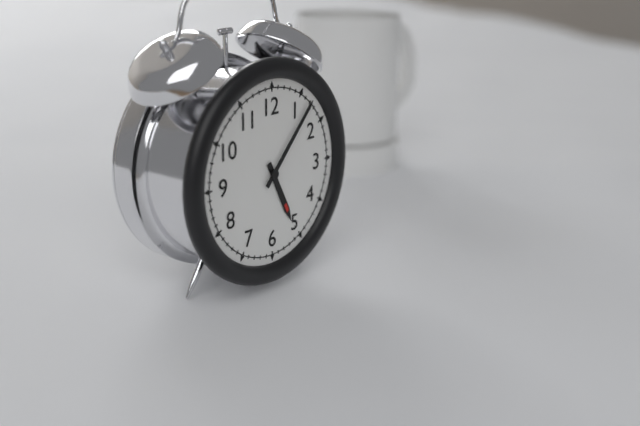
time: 5:07
